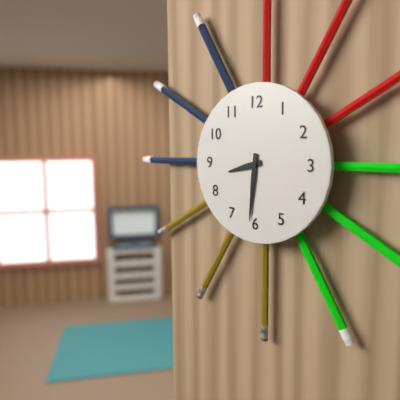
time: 8:31
